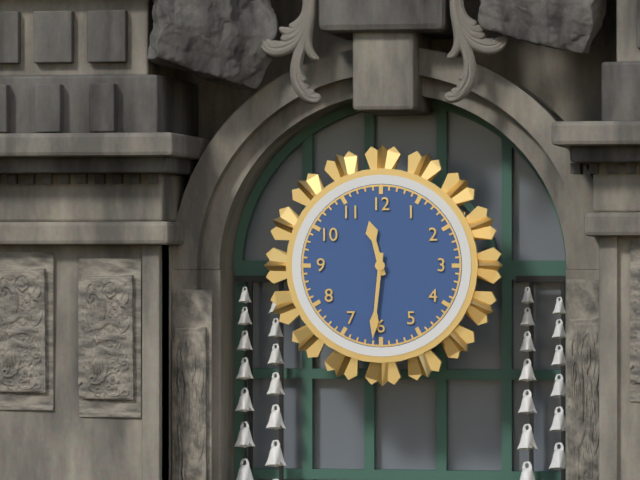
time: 11:31
